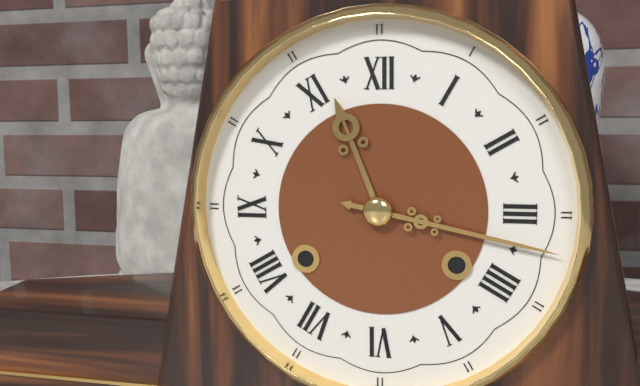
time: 11:17
